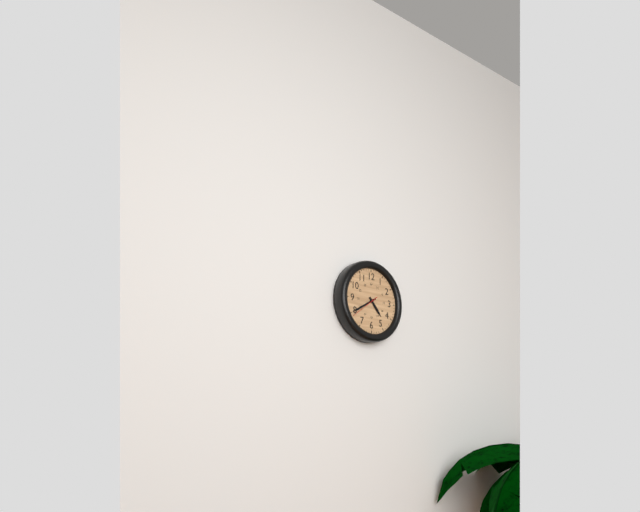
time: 4:40
